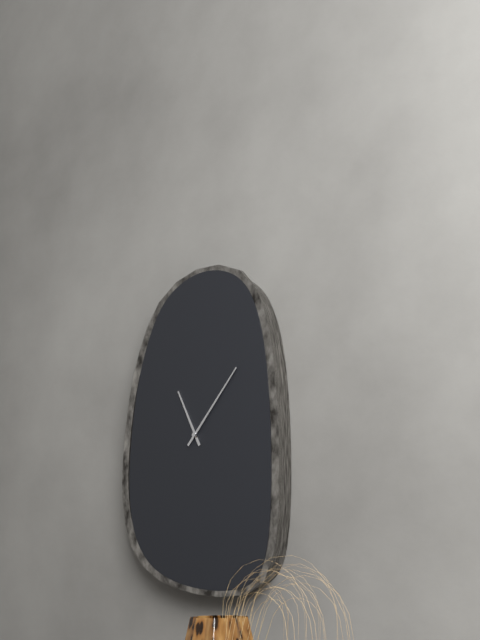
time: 11:07
